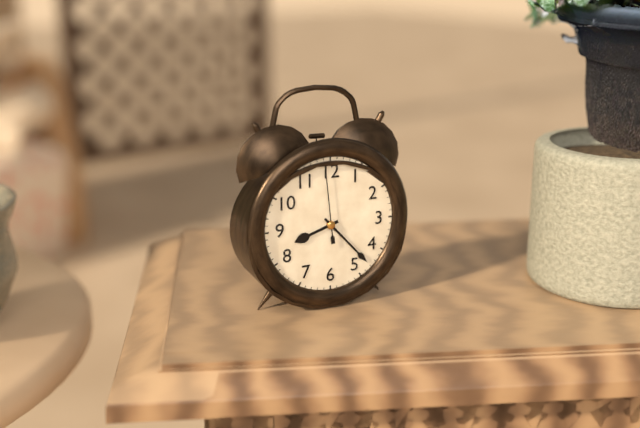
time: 8:23:59
